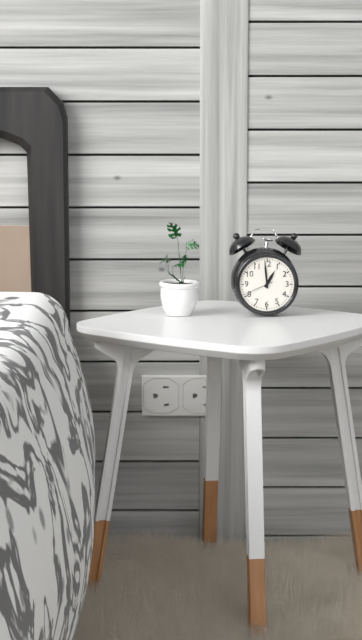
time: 12:59
